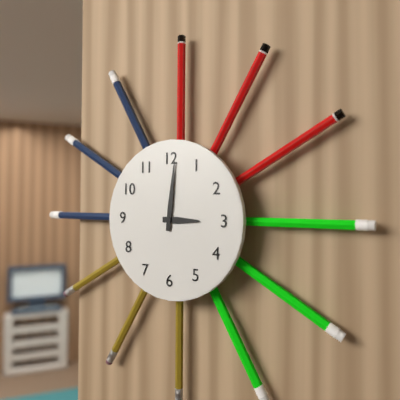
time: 3:01
